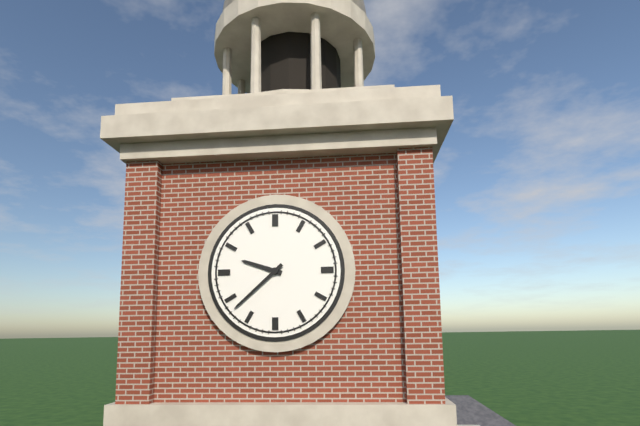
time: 9:38
